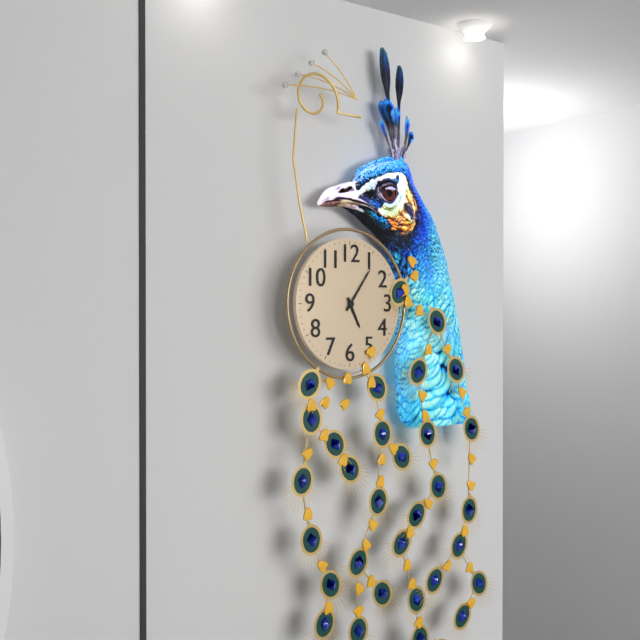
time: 5:06
